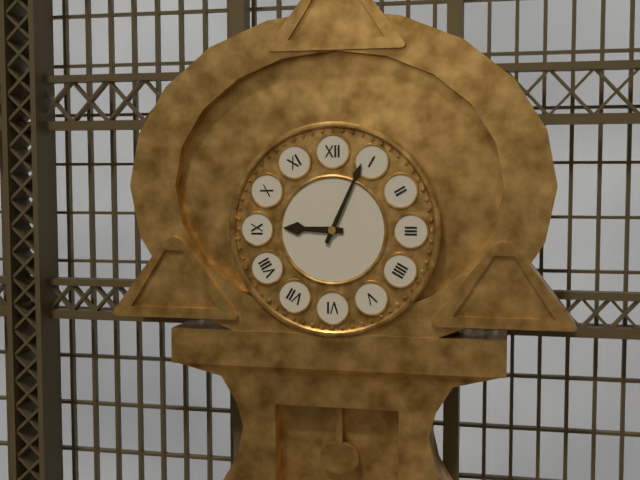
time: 9:04
